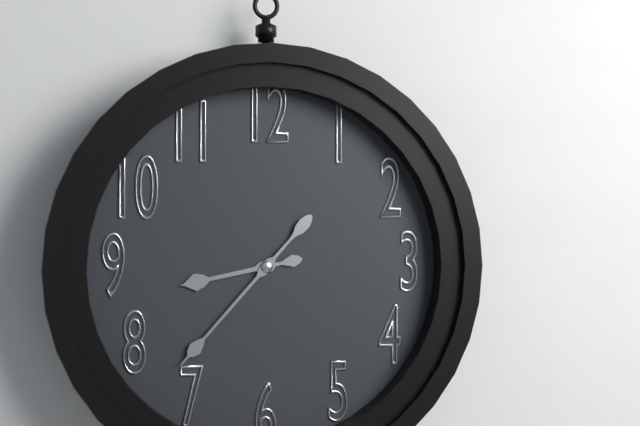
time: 8:37
